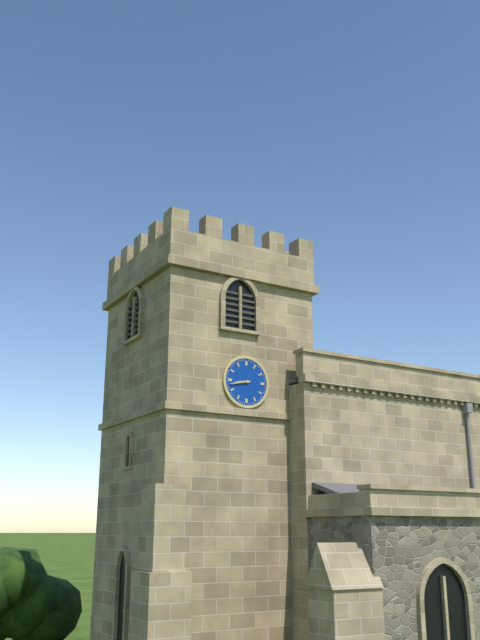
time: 8:43
